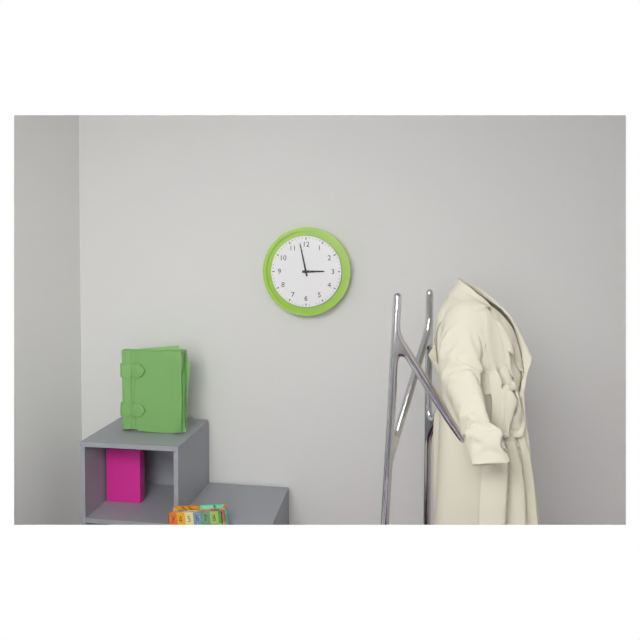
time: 2:58
